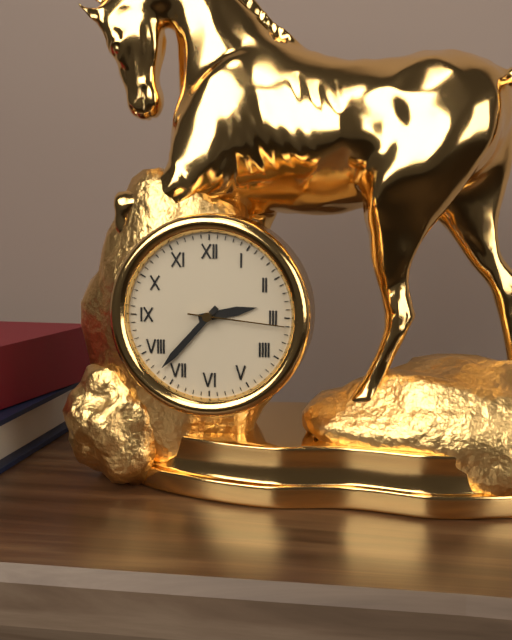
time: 2:37:16
